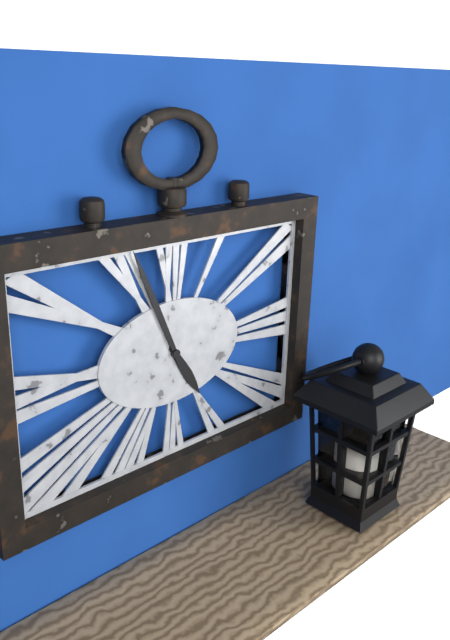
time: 4:56
